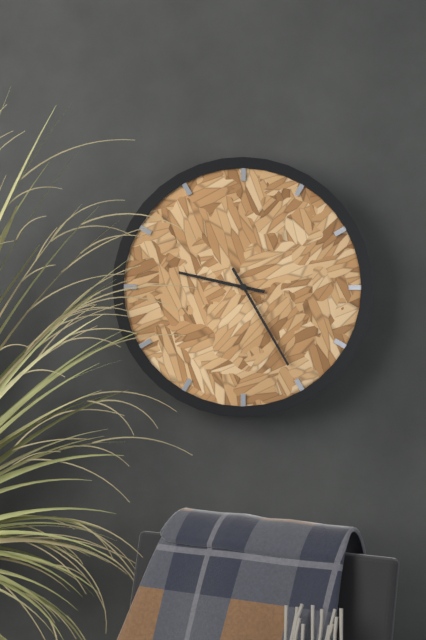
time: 9:25
